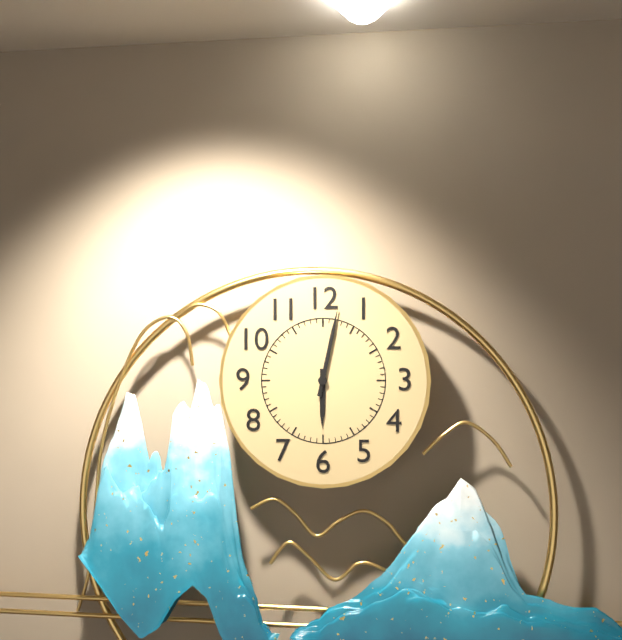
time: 6:02
